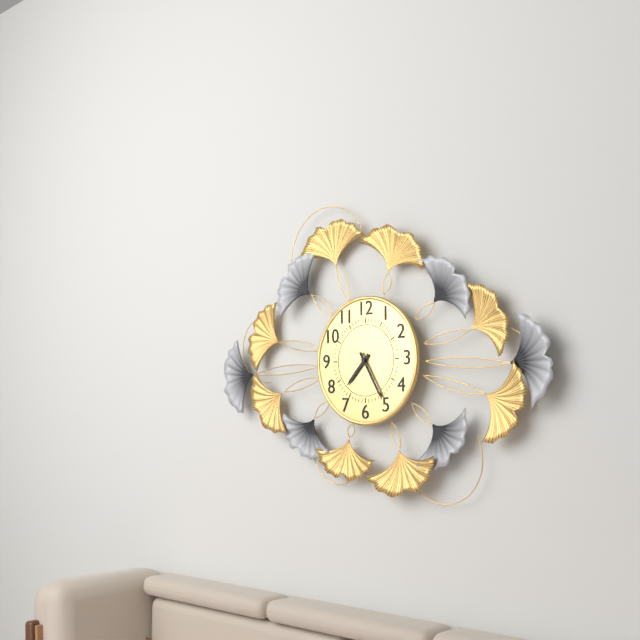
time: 7:25
